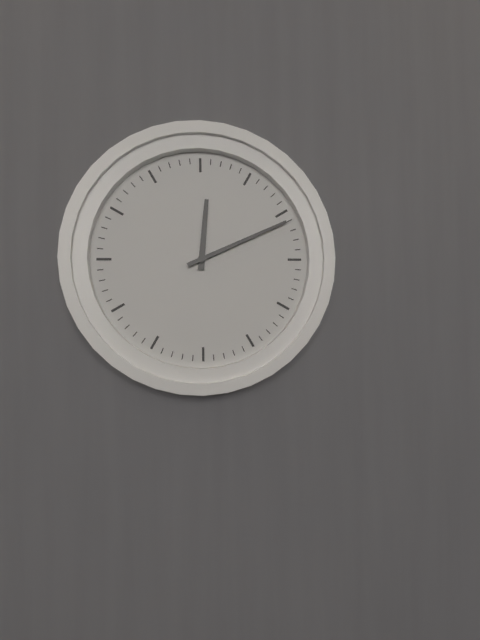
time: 12:11
